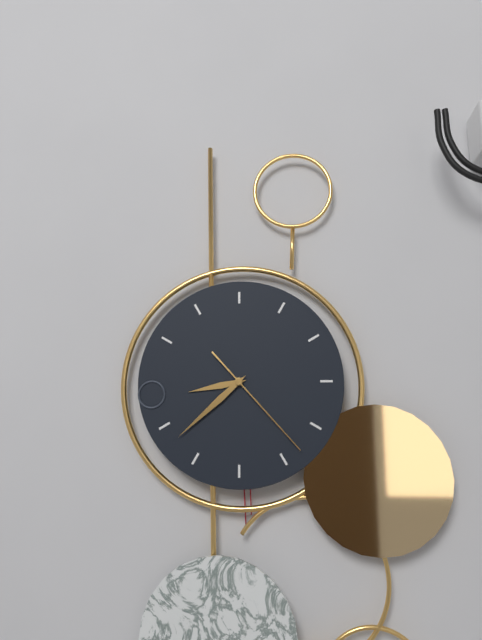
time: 8:38:23
